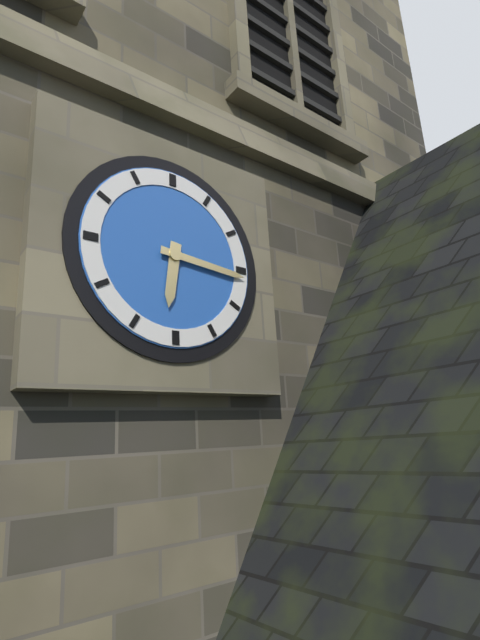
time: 6:16
